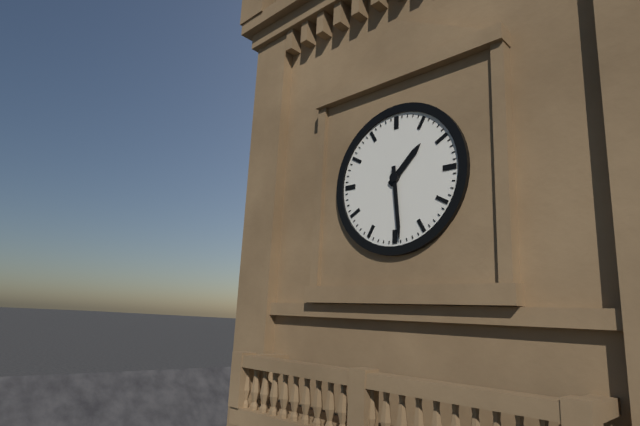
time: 1:29
